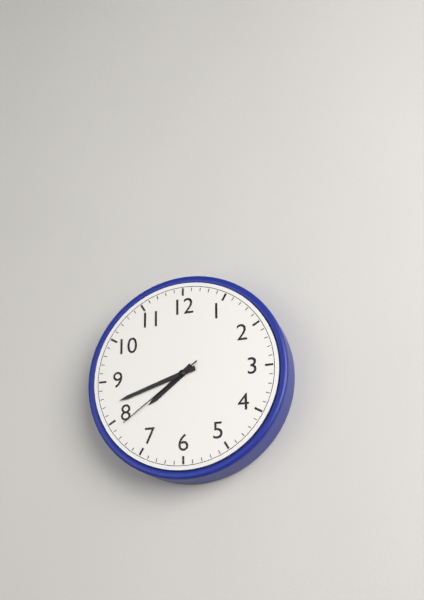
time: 7:42:39
